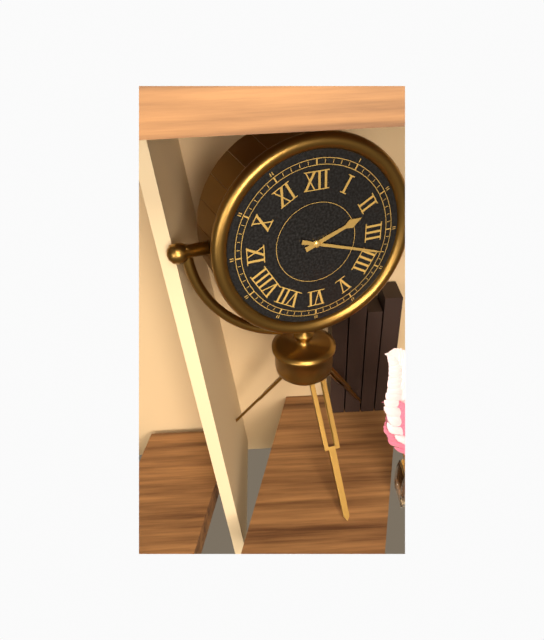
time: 2:18
